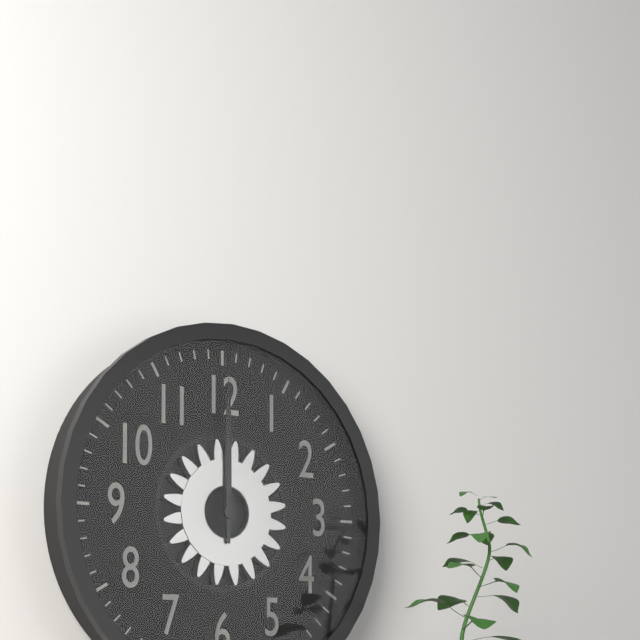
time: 12:00
